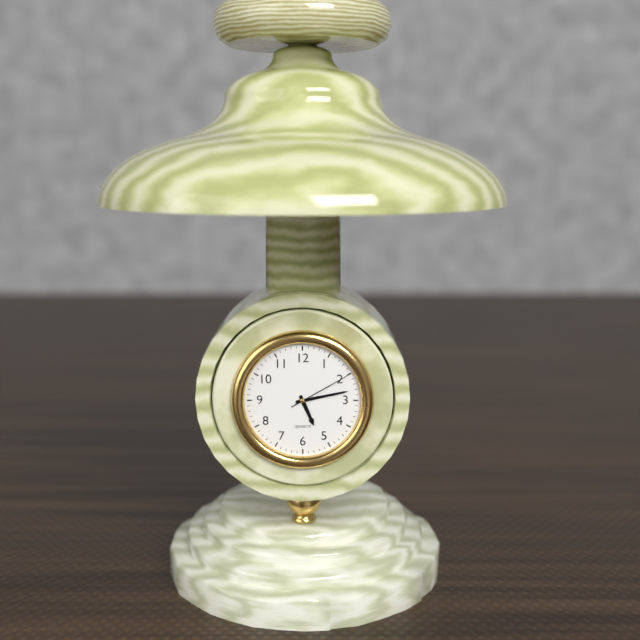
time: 5:13:10
